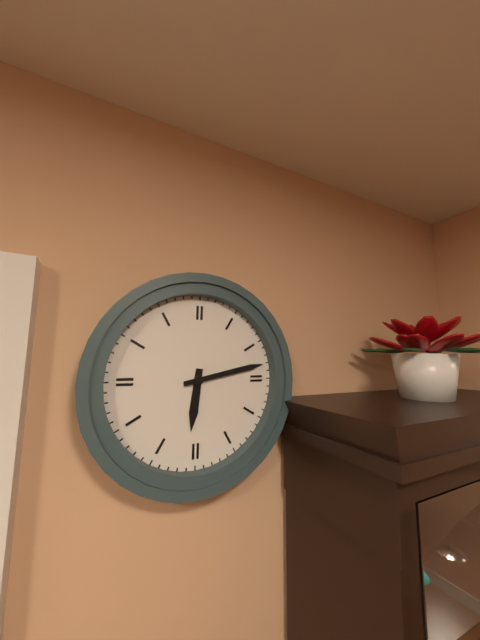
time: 6:13
